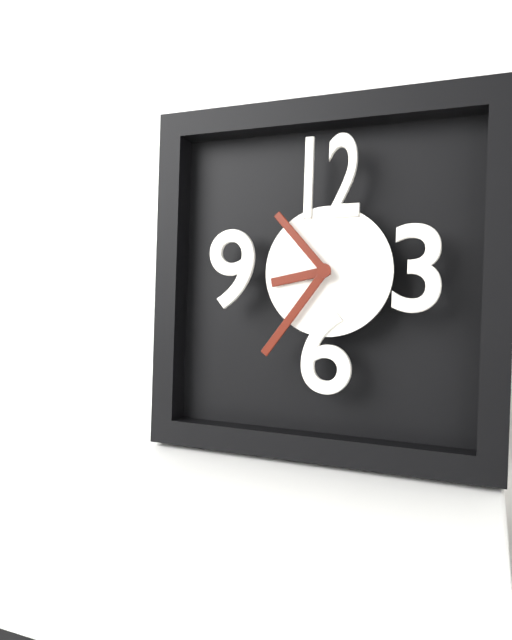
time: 8:36:53
